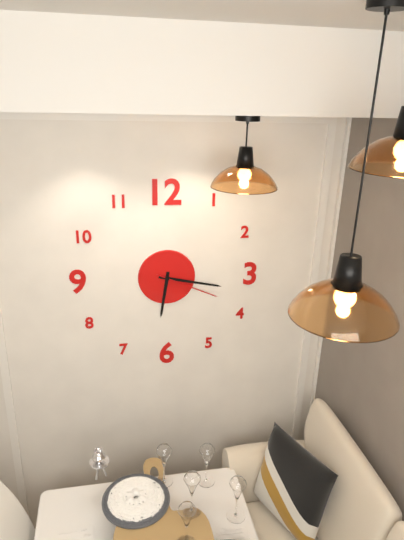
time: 6:17:19
